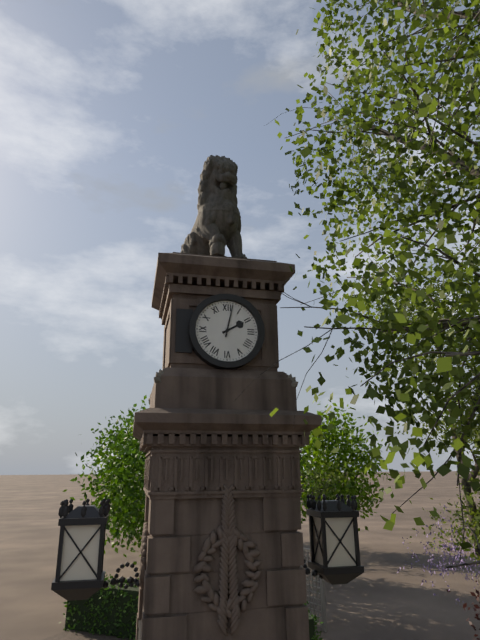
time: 2:02
